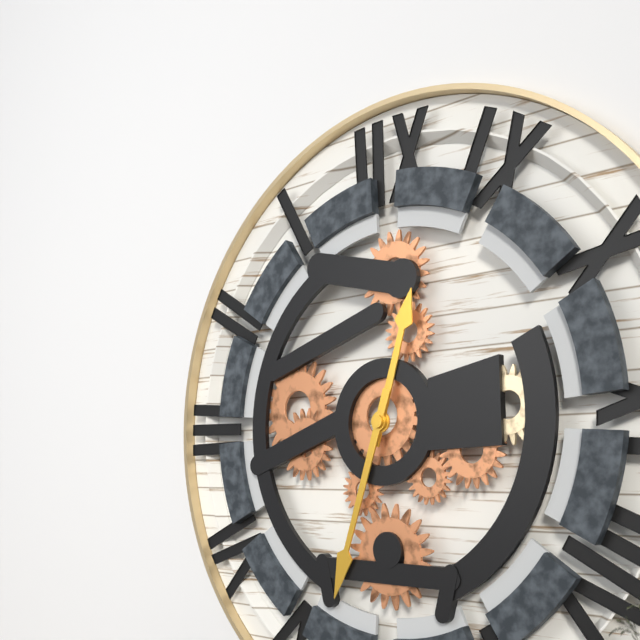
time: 12:33
